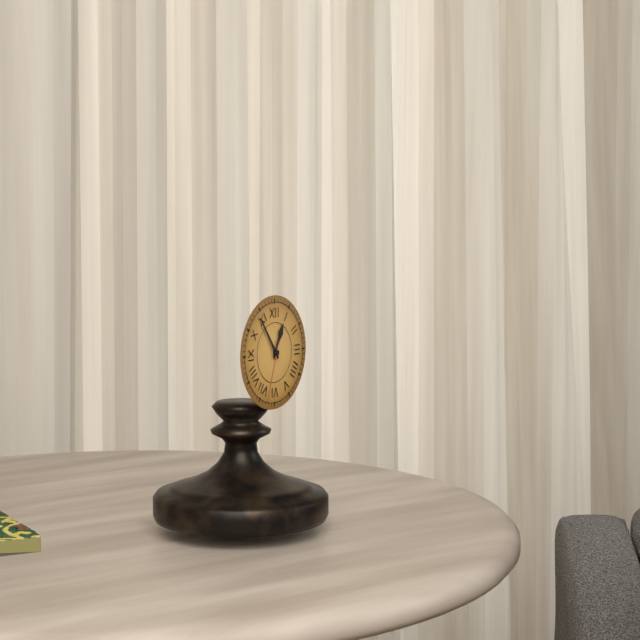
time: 12:54:33
